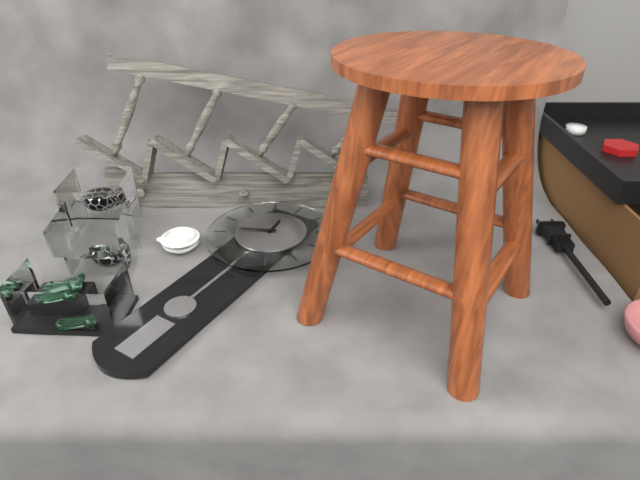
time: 11:41
